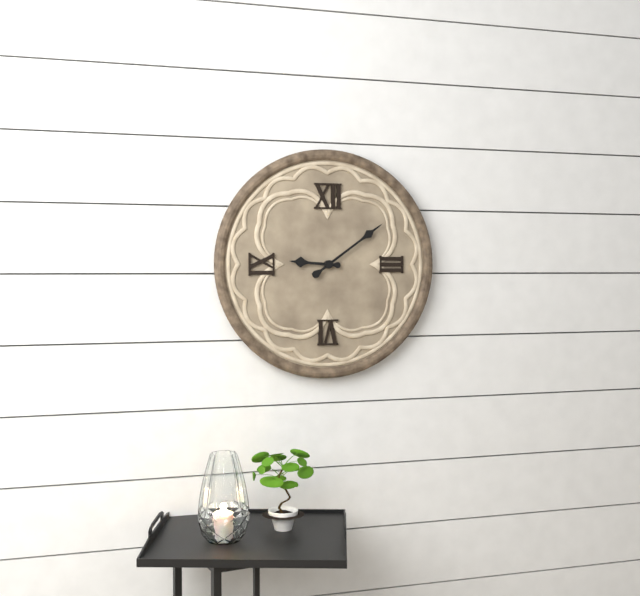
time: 9:09
